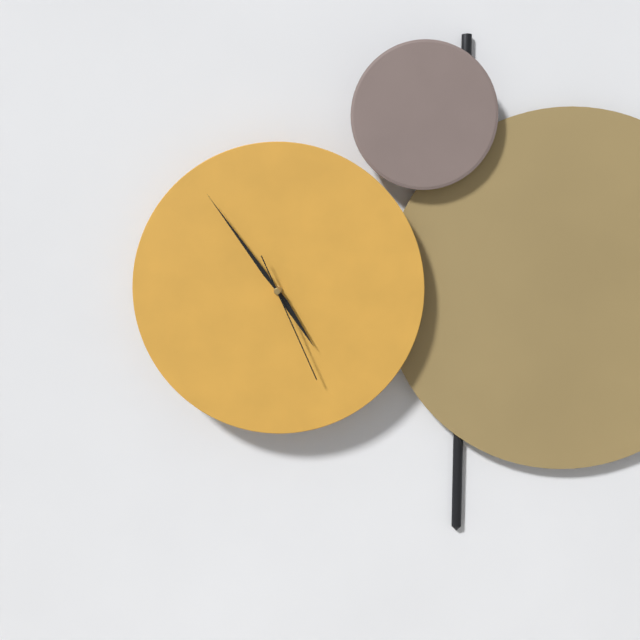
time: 4:54:26
